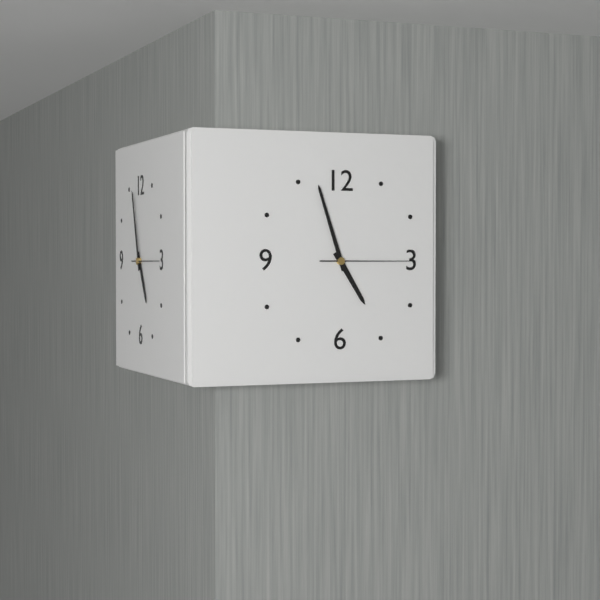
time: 4:57:15
